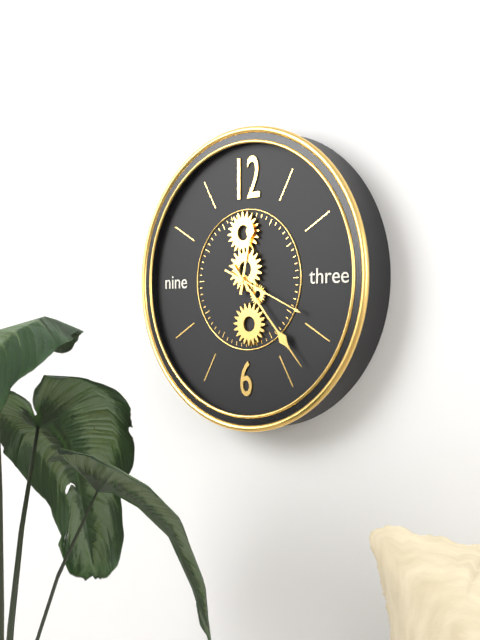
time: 12:23:19
